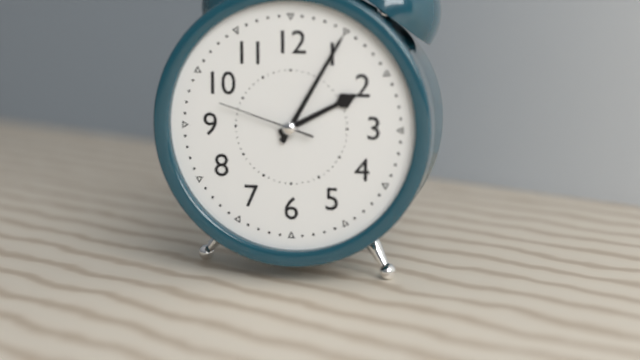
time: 2:05:48
